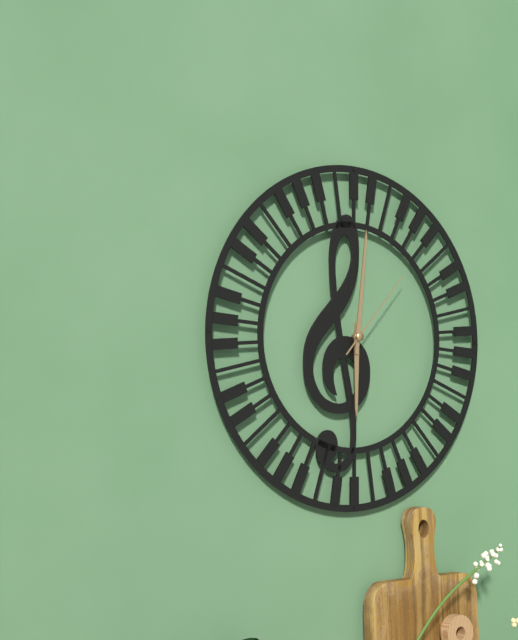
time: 6:01:07
